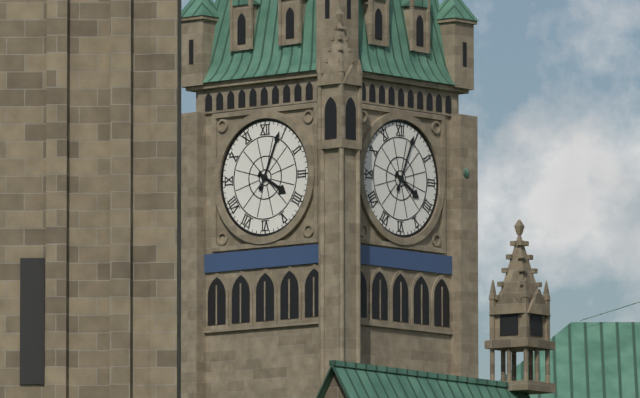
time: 4:04
